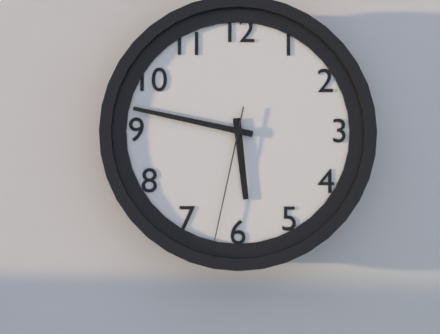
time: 5:47:32
